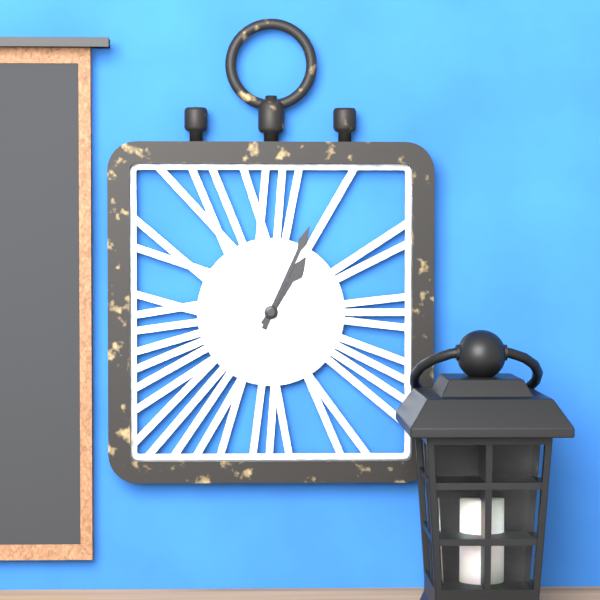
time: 1:04
